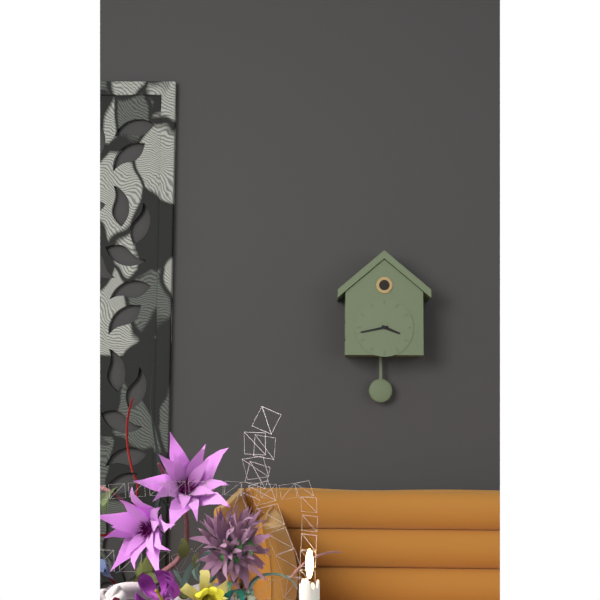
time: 3:43
